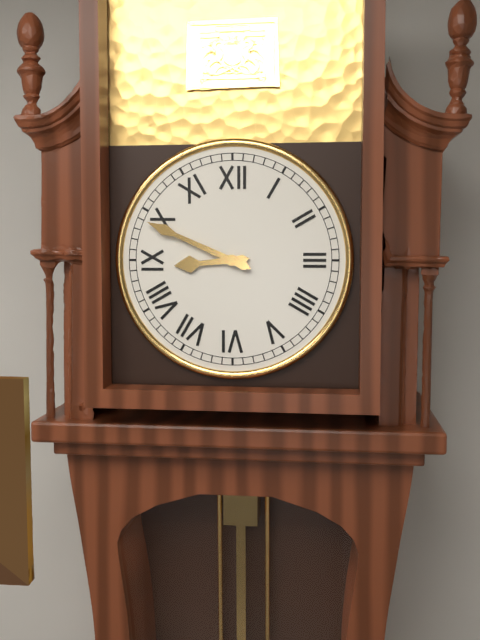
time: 8:49
